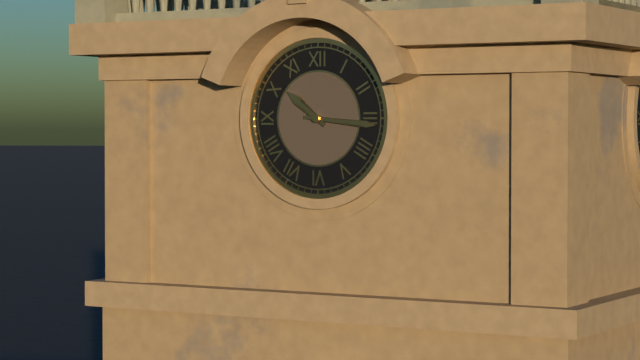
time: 10:16
